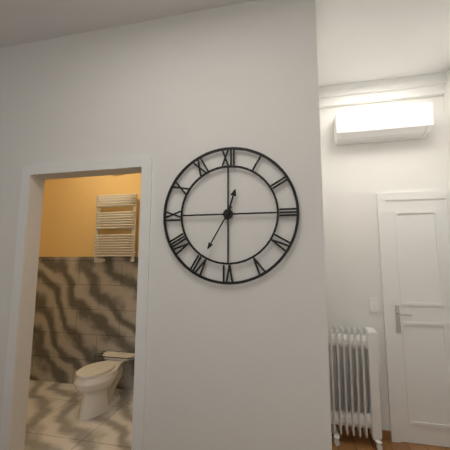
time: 12:35
